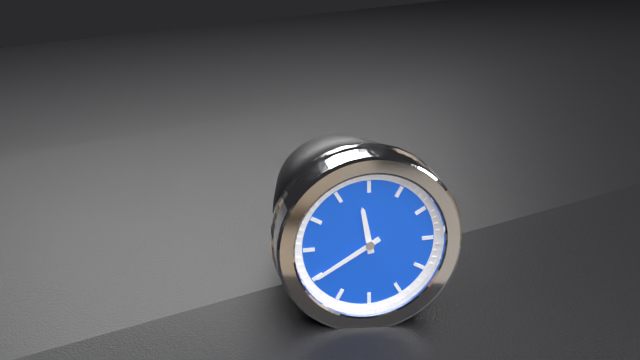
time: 11:40
